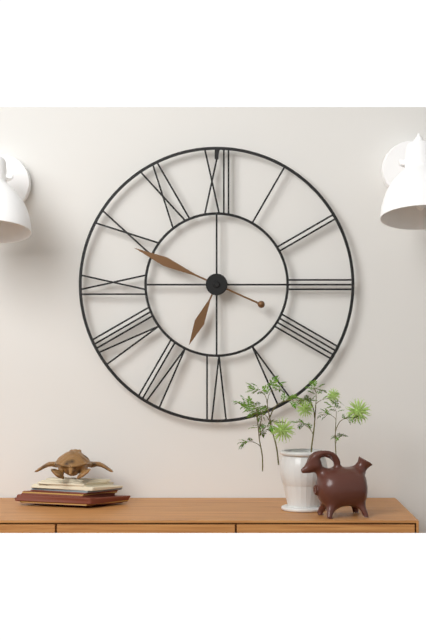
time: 6:49
